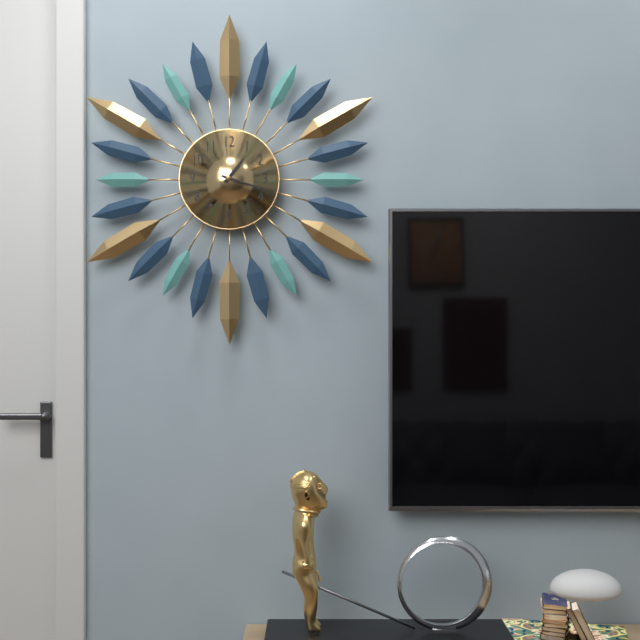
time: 1:18
